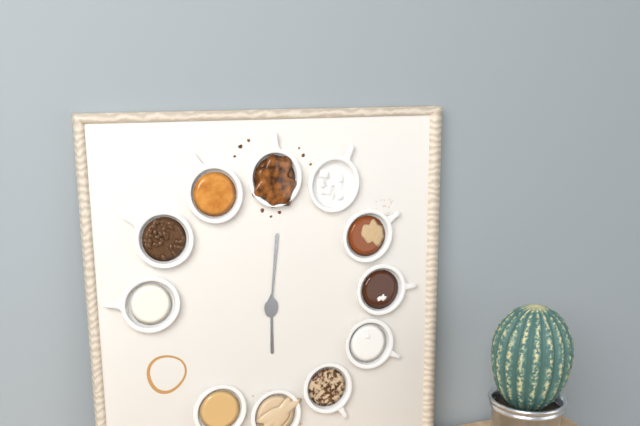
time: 6:01
